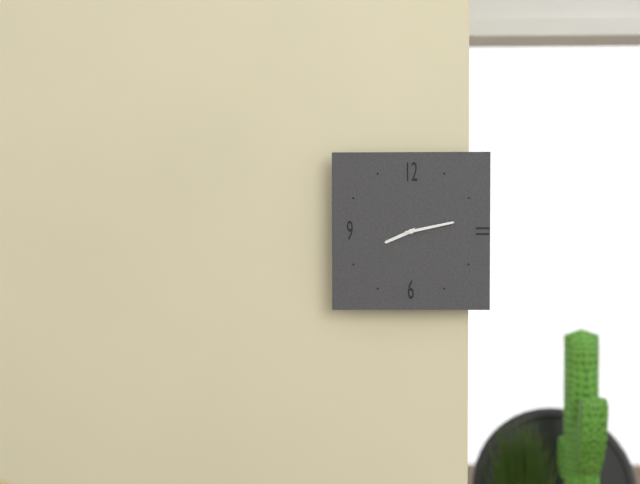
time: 8:13
